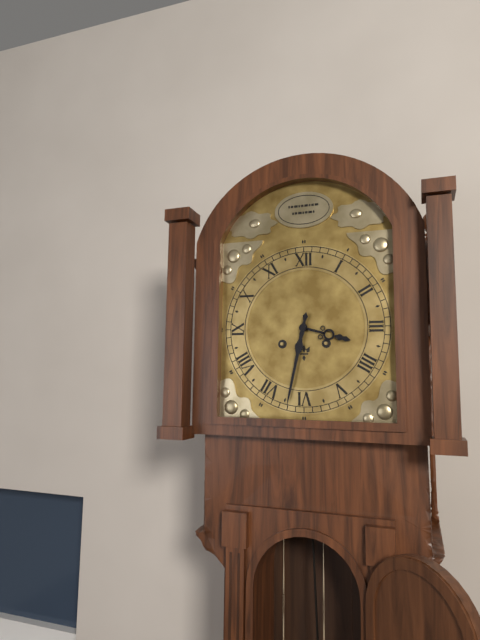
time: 3:32
